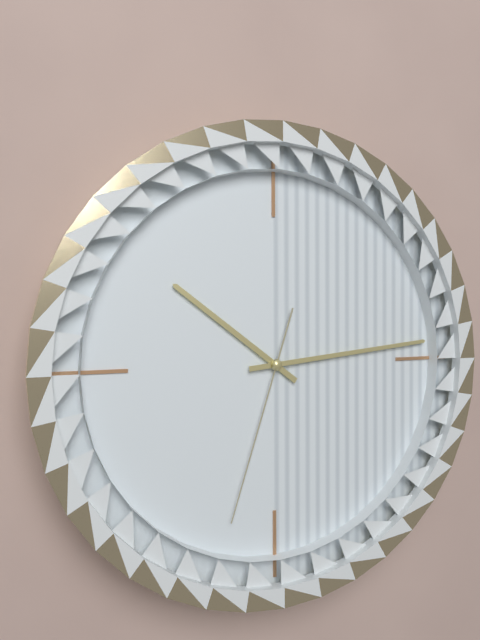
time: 10:14:33
